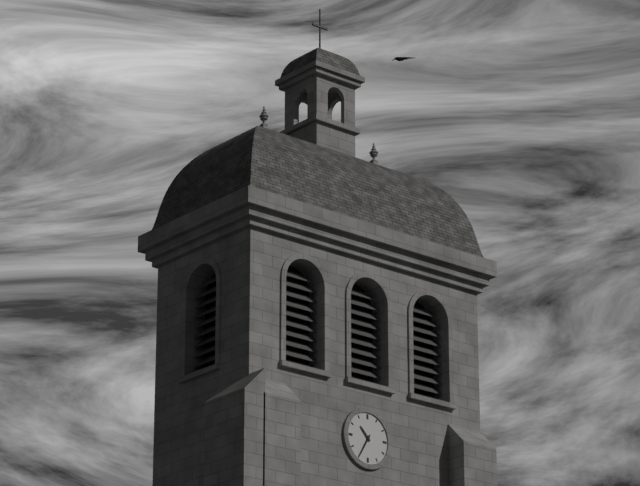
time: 10:35
